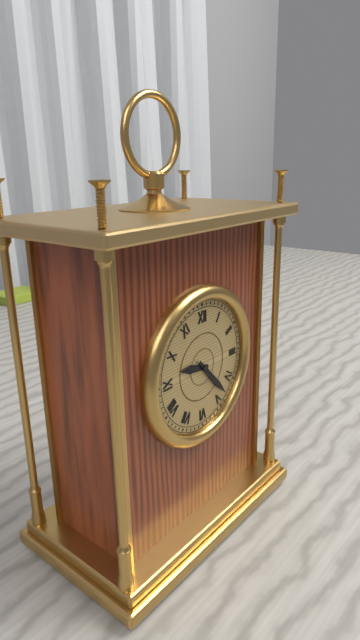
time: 9:23
